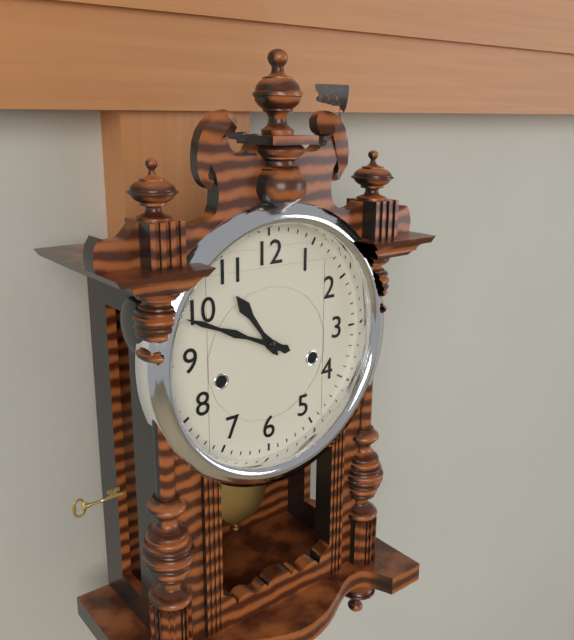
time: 10:49
